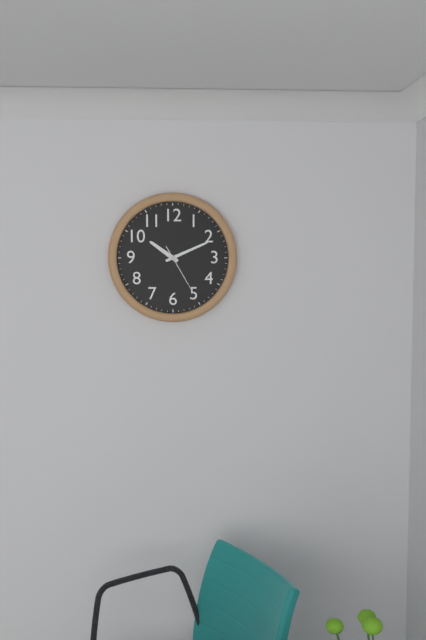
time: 10:11:25
